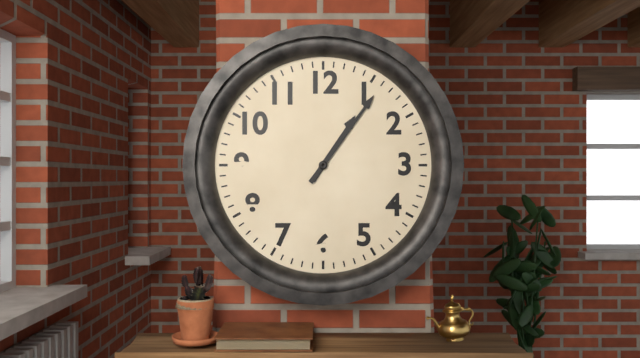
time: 1:06
